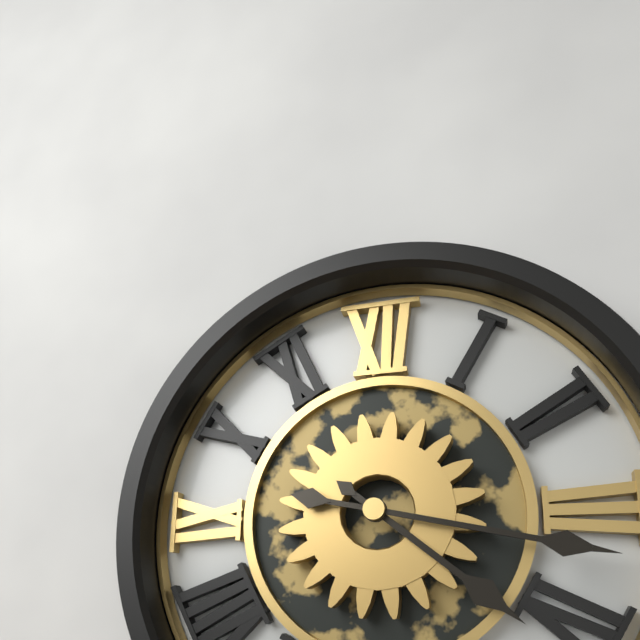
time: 4:17
